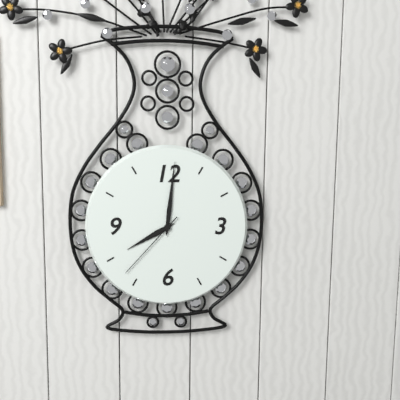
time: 8:01:37
